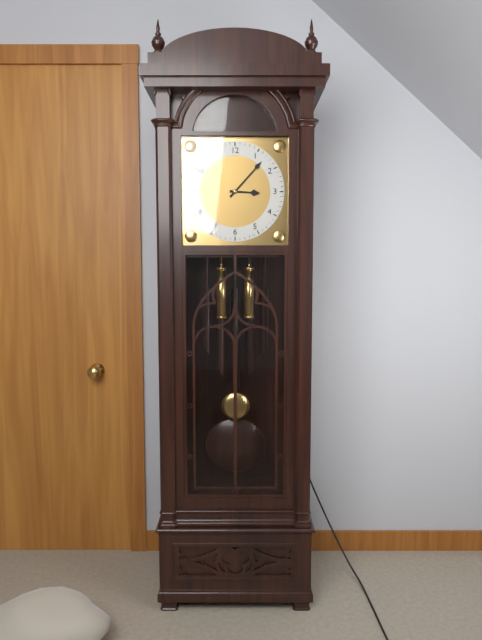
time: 3:07
